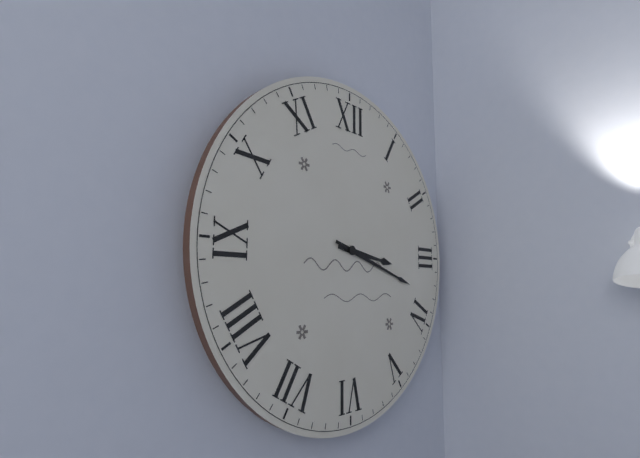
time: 3:18
